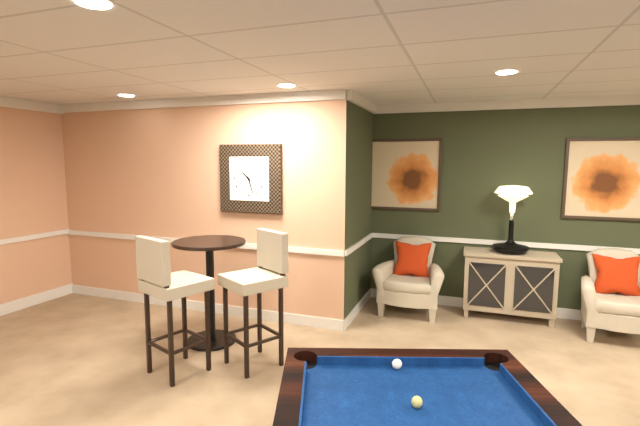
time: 10:27
